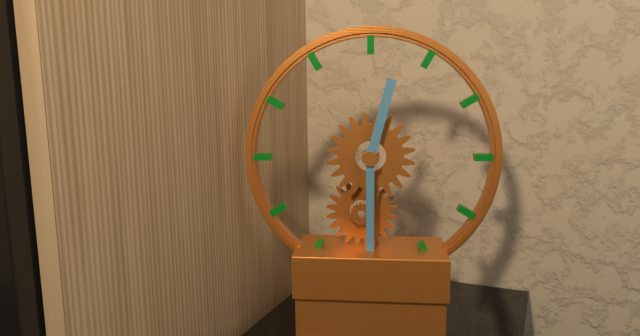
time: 12:30
